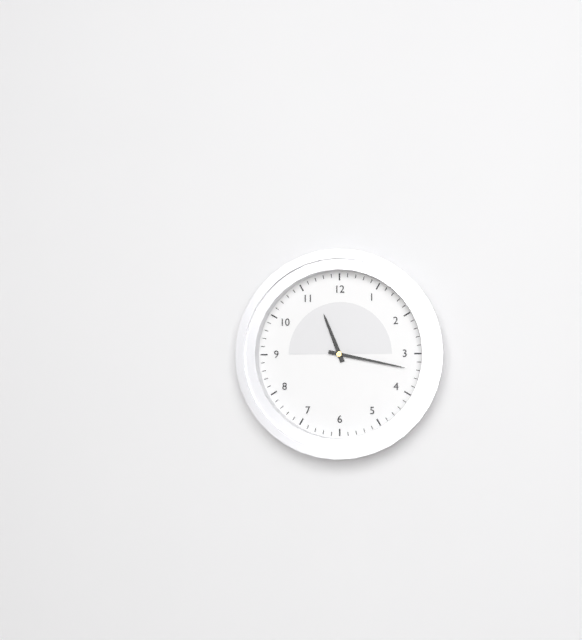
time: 11:17
